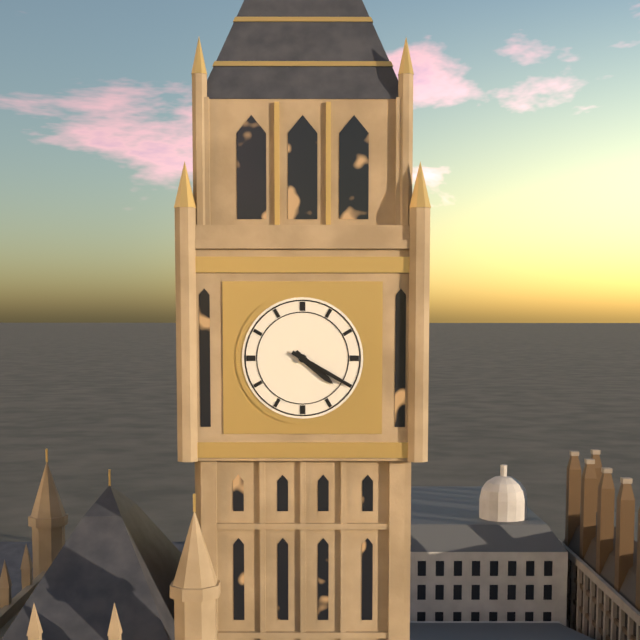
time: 4:20
